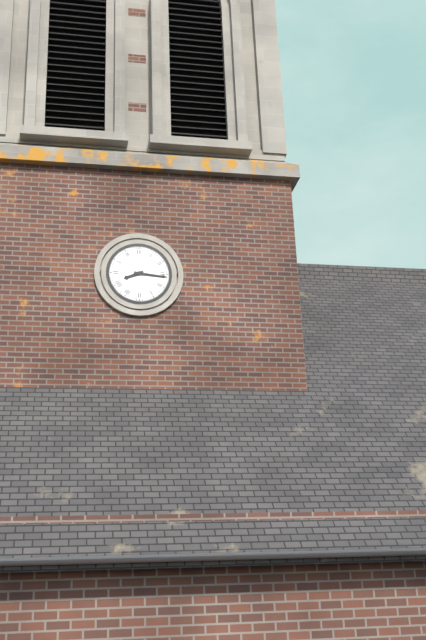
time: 8:16
